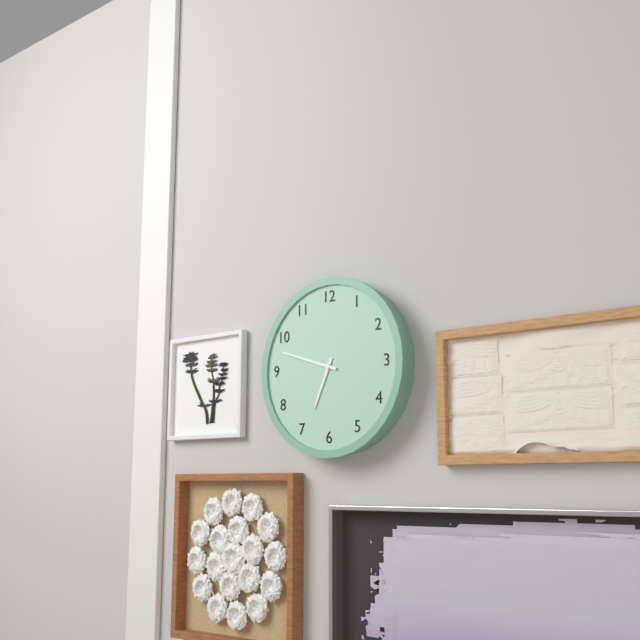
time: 6:48
